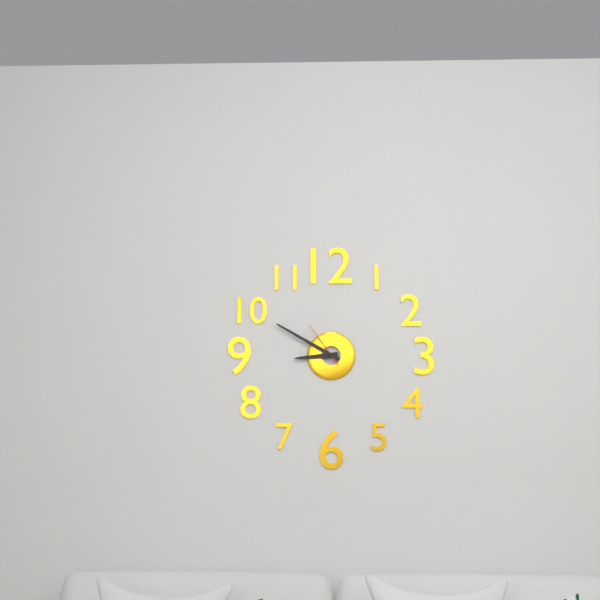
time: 8:50
